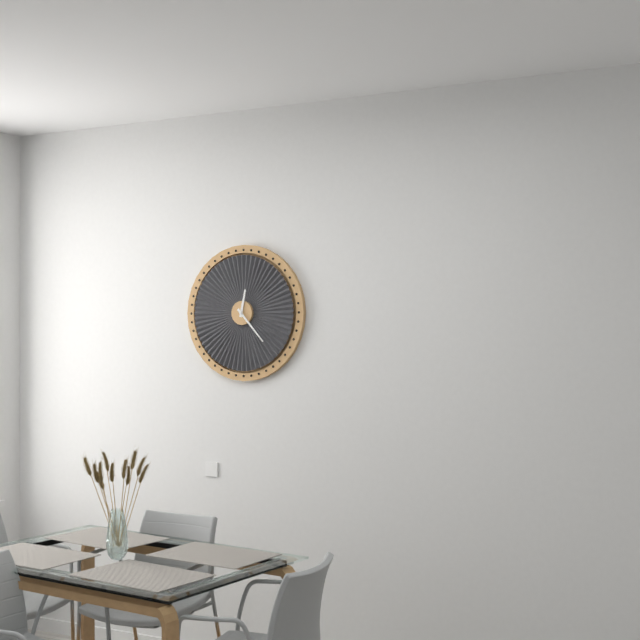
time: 12:23
